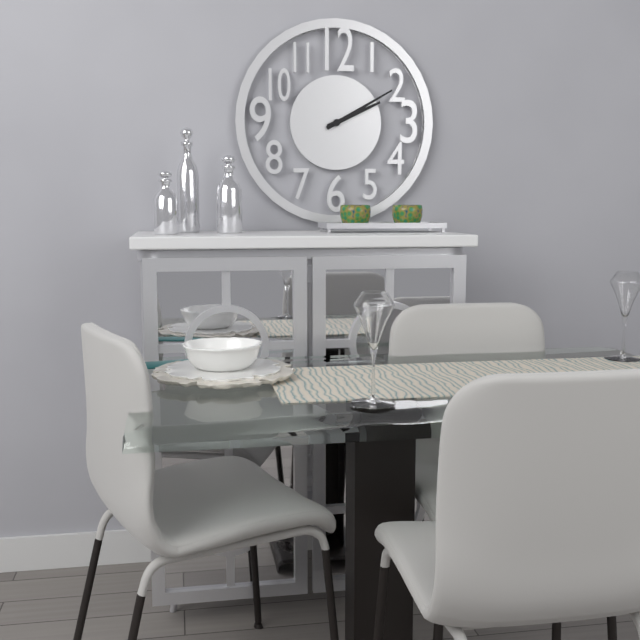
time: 2:10
